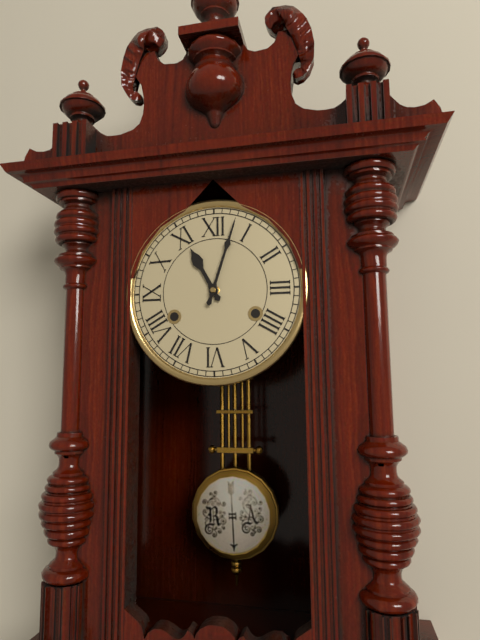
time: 11:03
